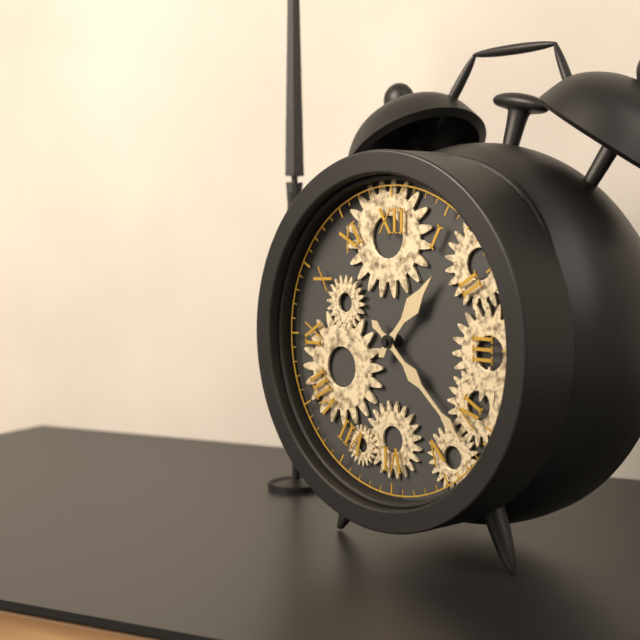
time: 1:22
